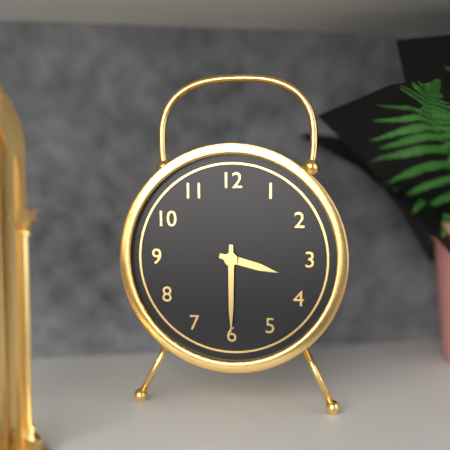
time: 3:30
